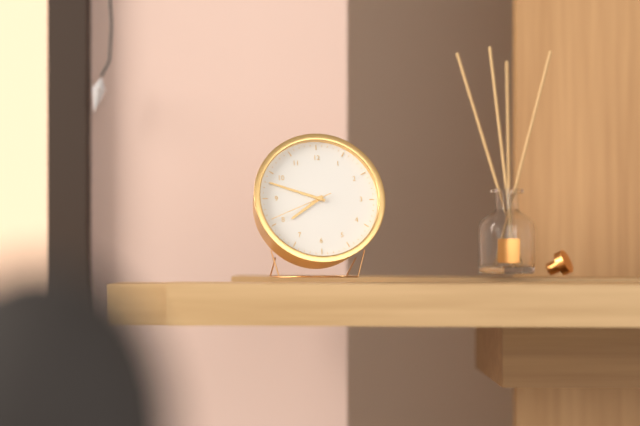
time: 7:48:41
